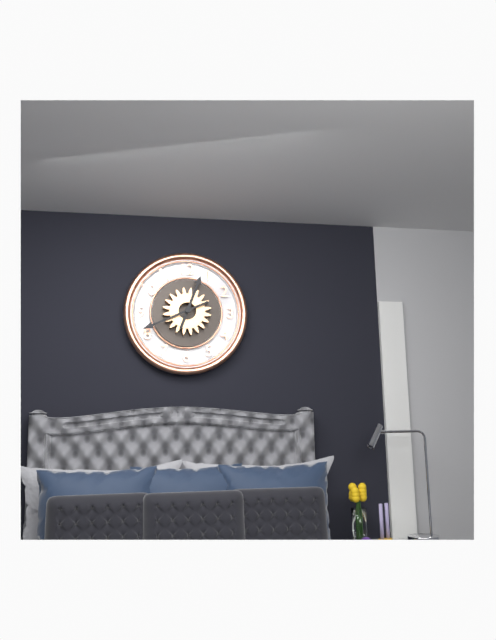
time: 12:41
